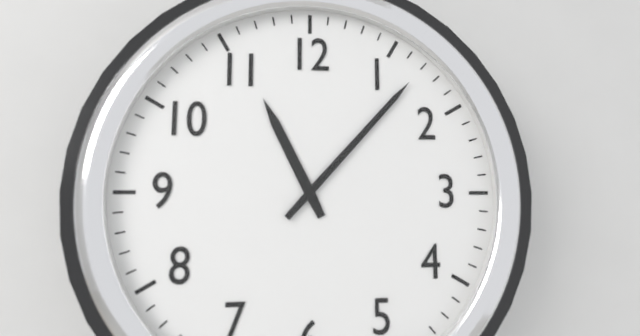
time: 11:07
